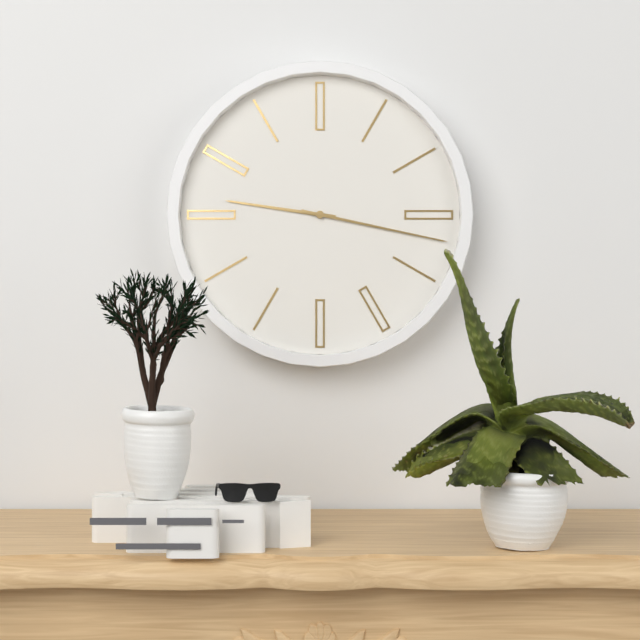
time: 9:17
